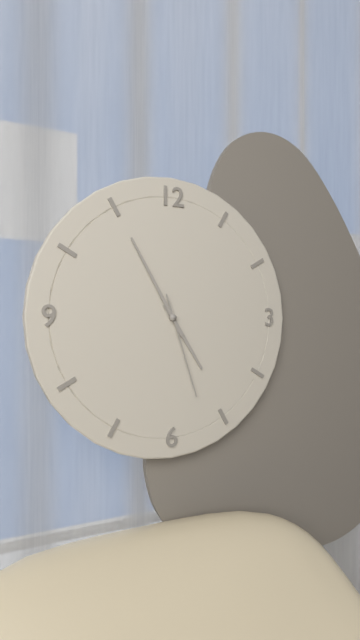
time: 4:55:27
